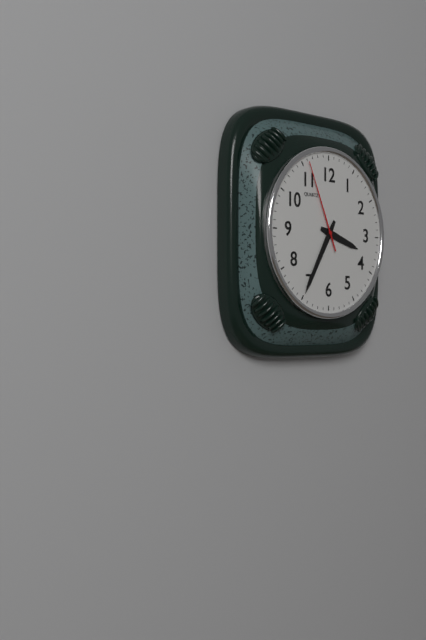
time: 3:35:56
